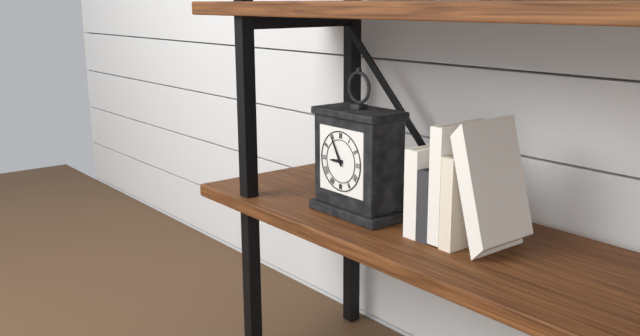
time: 8:55
